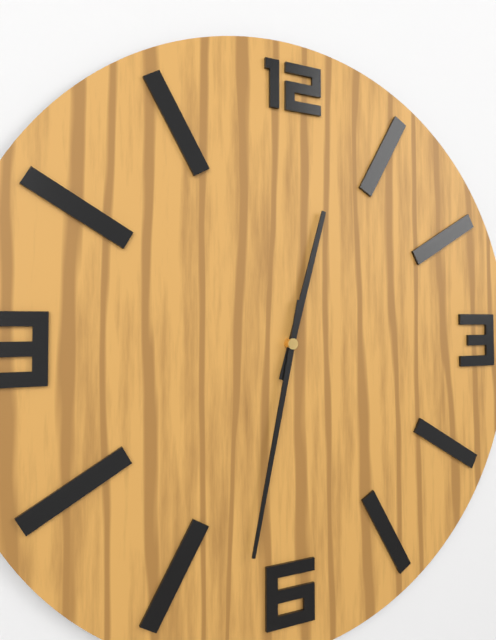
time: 12:32
